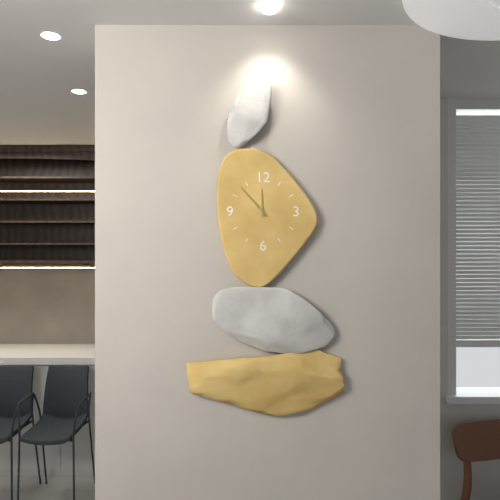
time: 11:53
